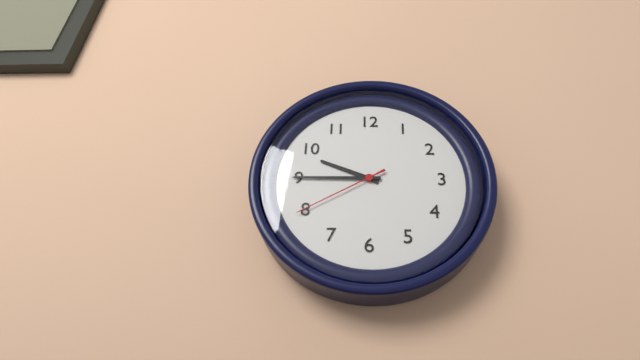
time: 9:45:40
